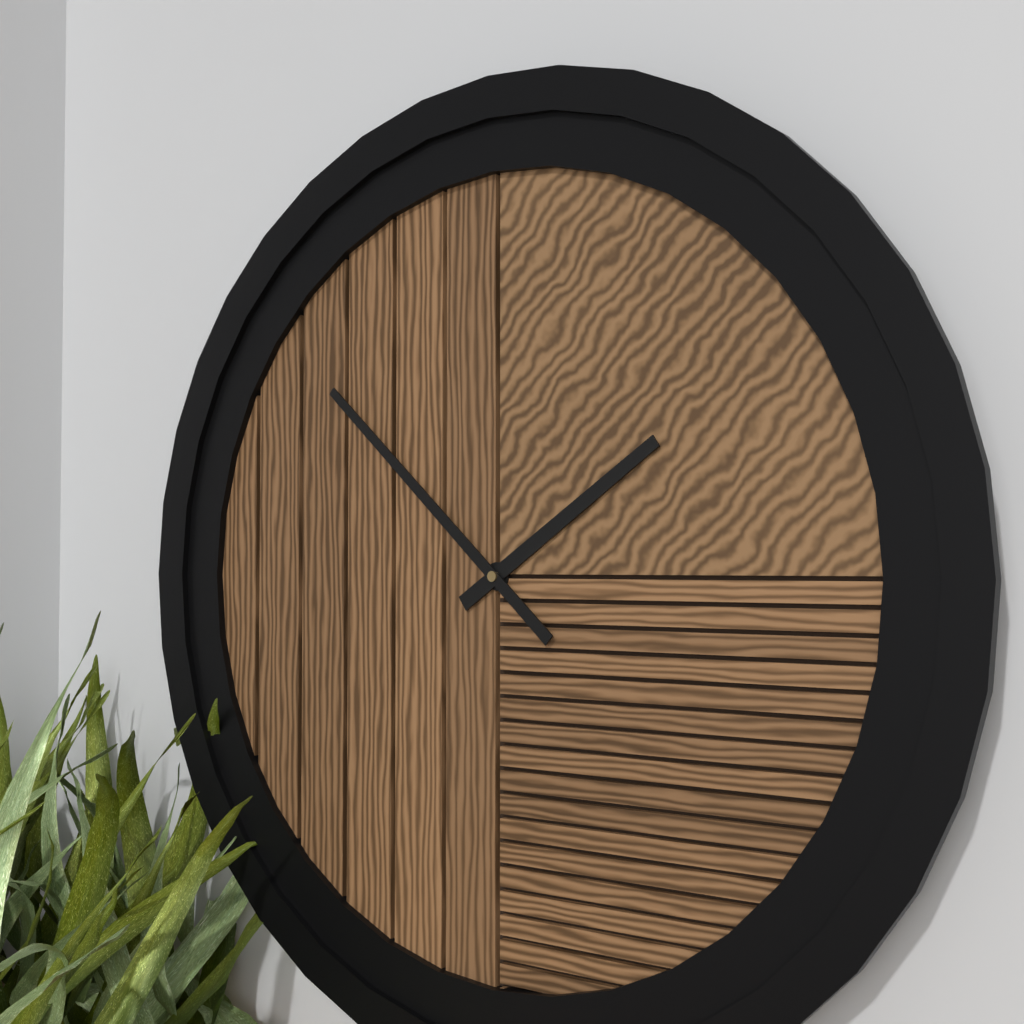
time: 1:52
